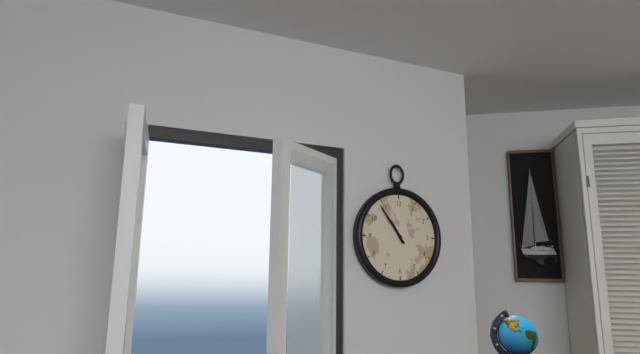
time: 10:54
